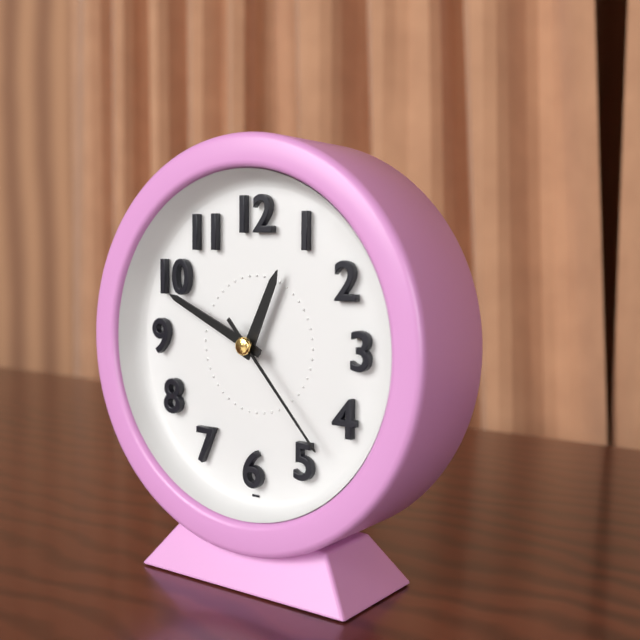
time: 12:49:23
